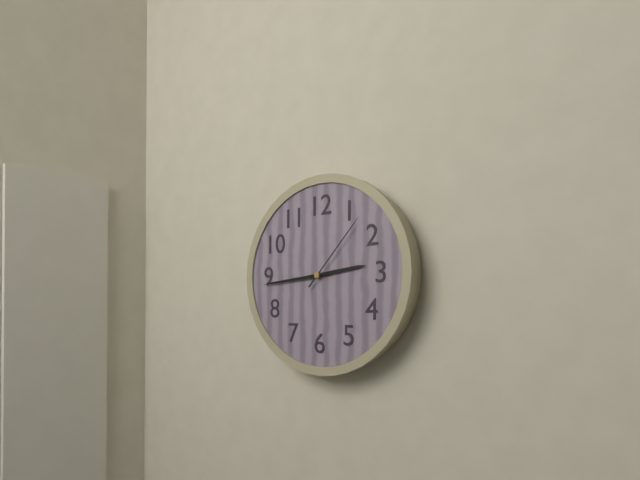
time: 2:44:07
